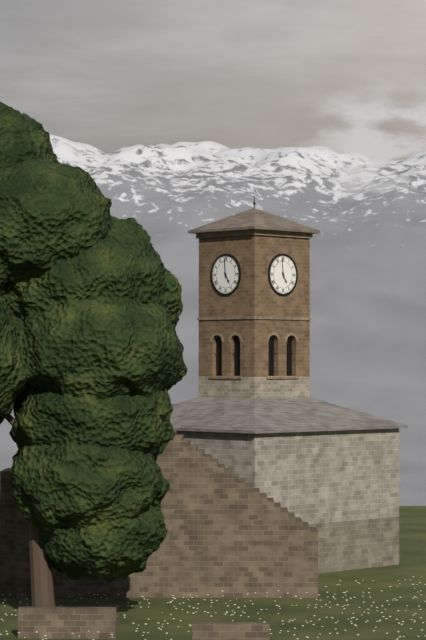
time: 4:59
